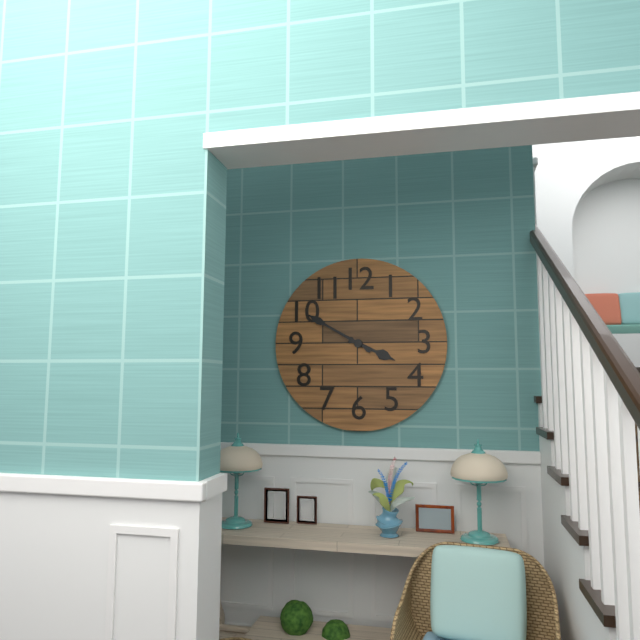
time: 3:50
